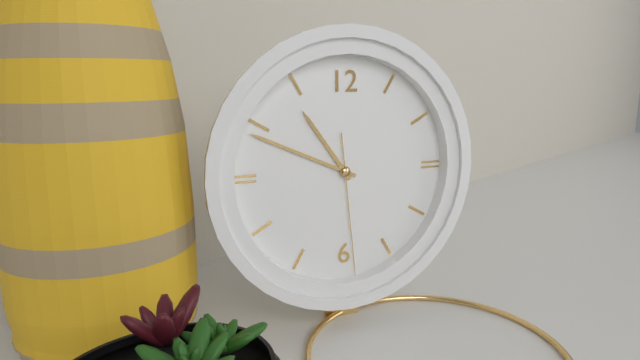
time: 10:49:29
